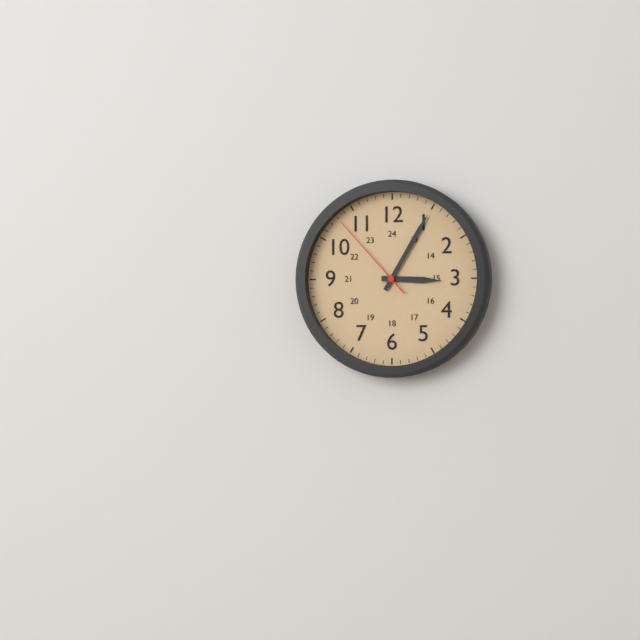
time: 3:05:53
